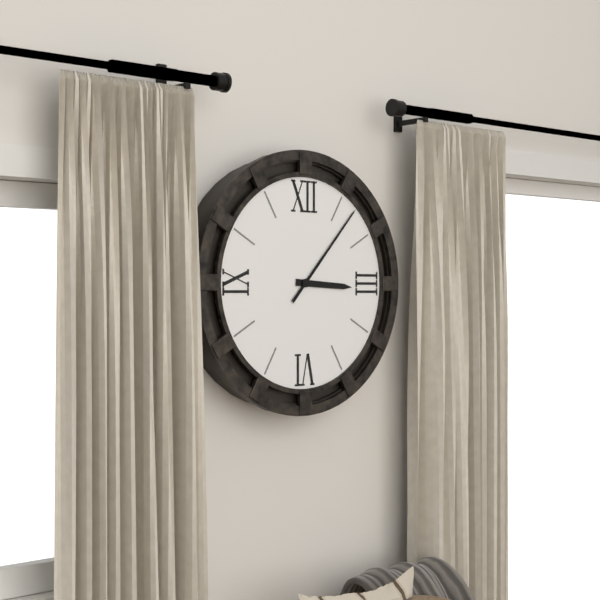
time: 3:07
